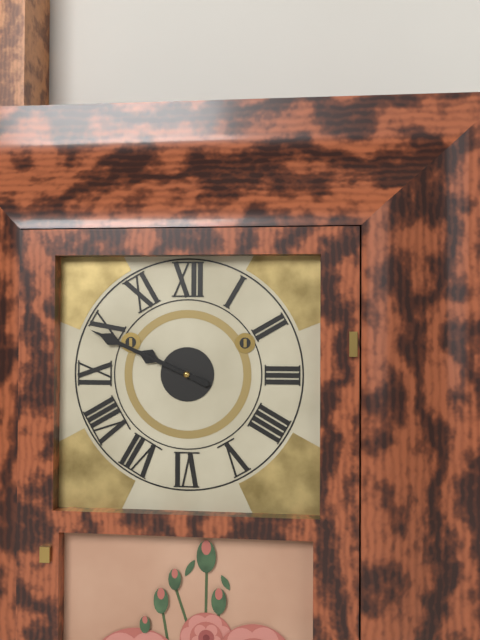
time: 9:49
